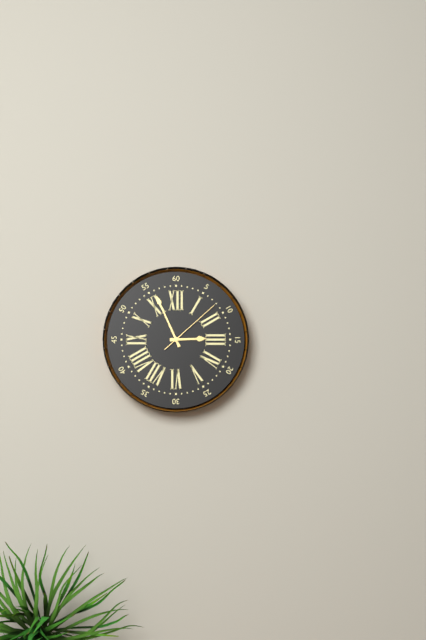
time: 2:56:08
